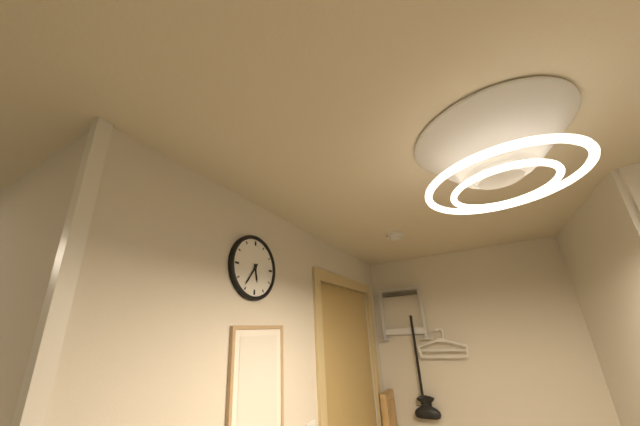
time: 5:36
